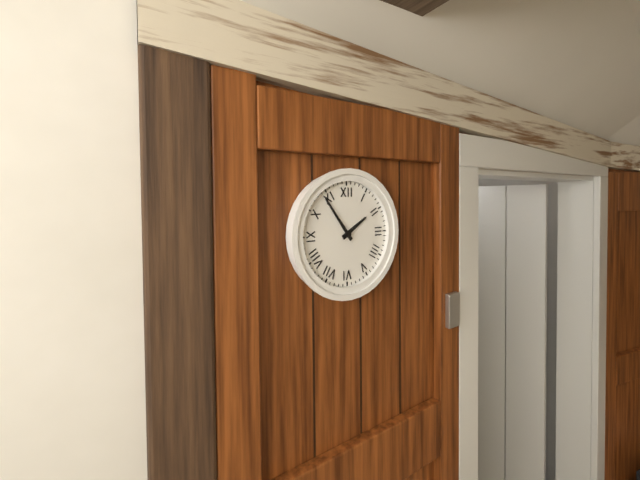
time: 1:54
